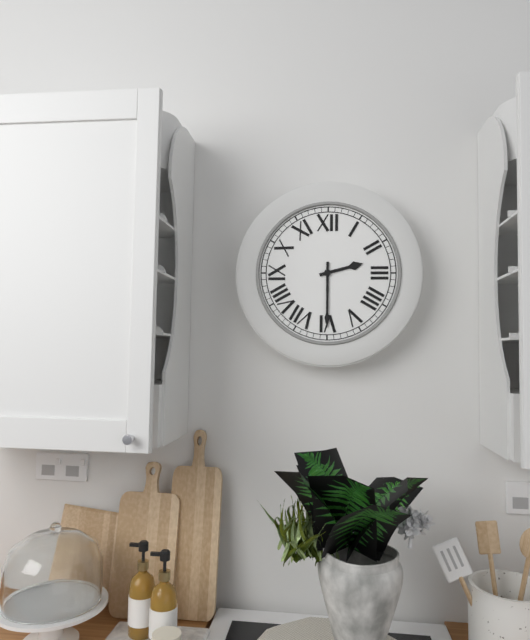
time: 2:30
